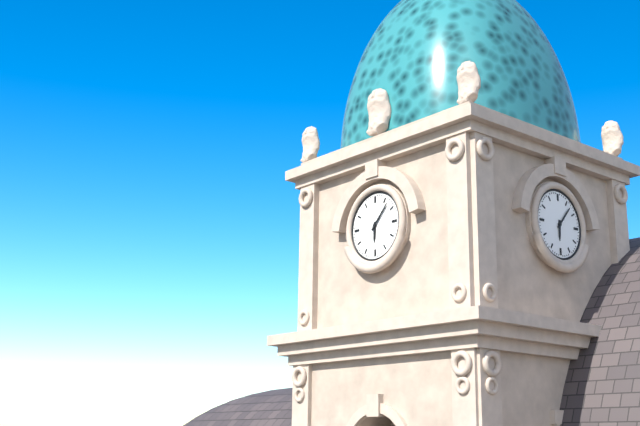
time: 6:07
